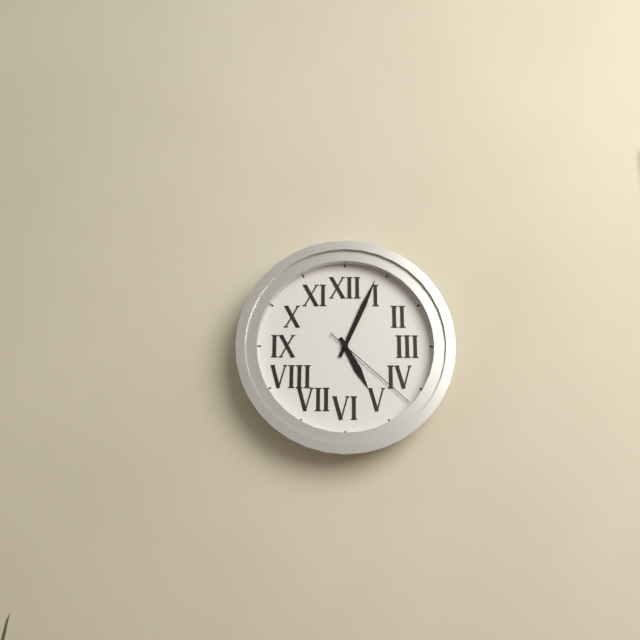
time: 5:04:22
